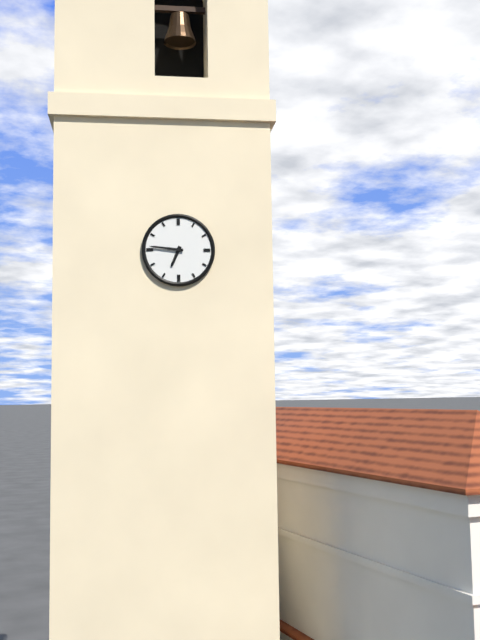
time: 6:46
